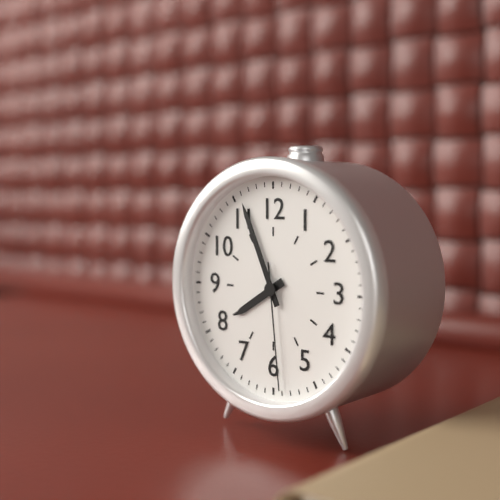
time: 7:56:29
